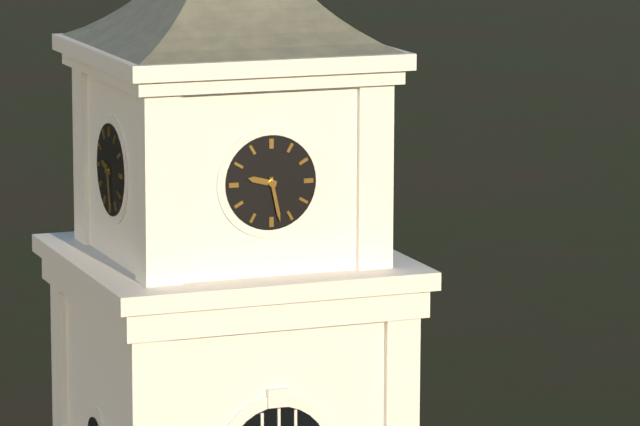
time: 9:28
